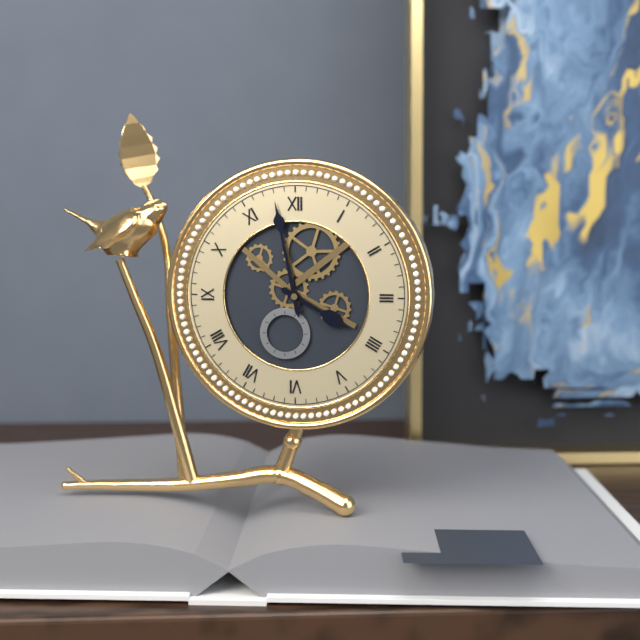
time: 3:58
